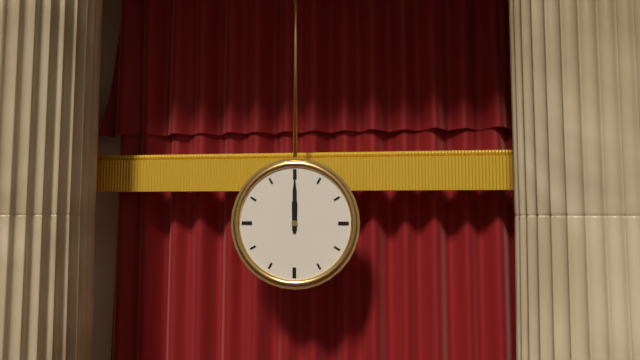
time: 12:00
